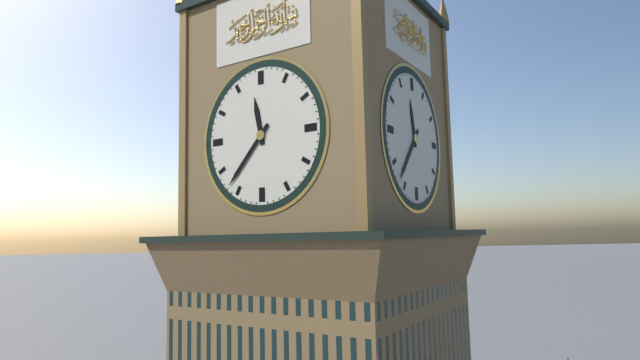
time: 11:37
